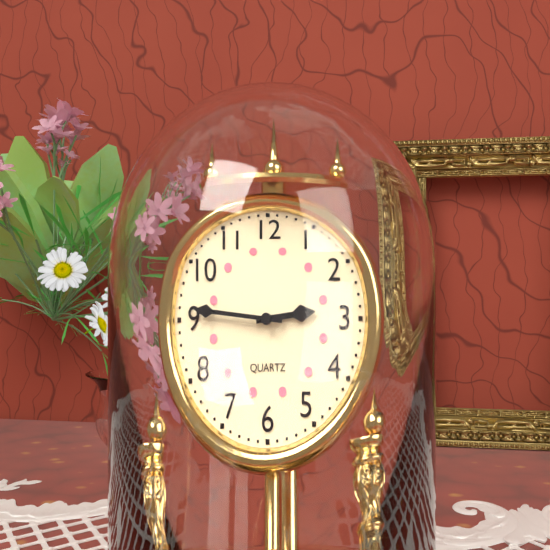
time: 2:46
